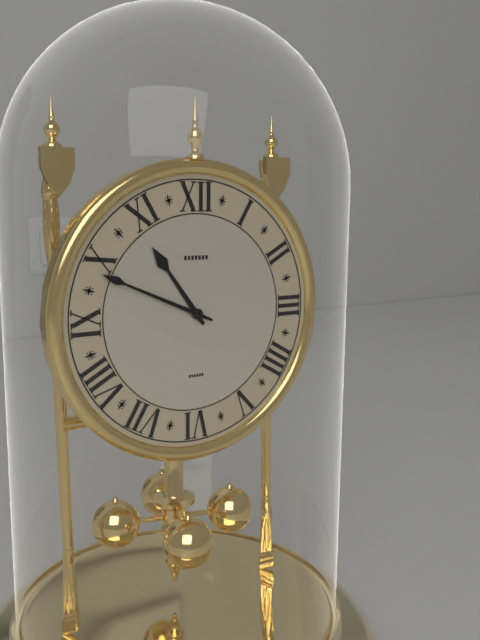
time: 10:49
